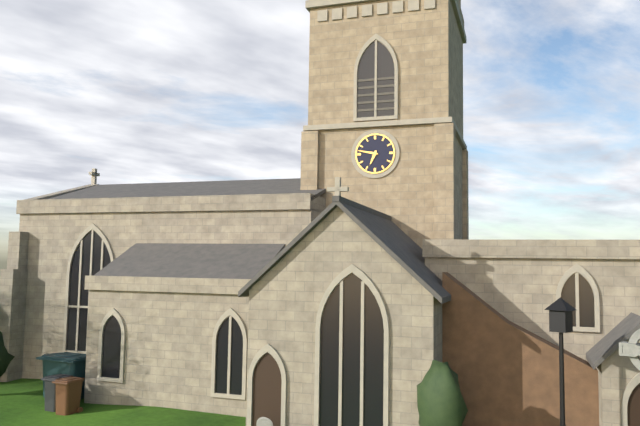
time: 6:47
